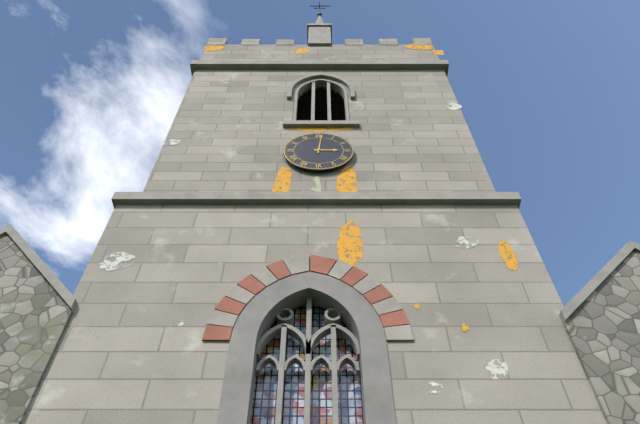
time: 3:01
